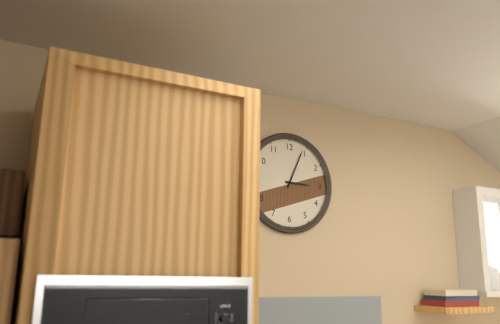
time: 3:04
